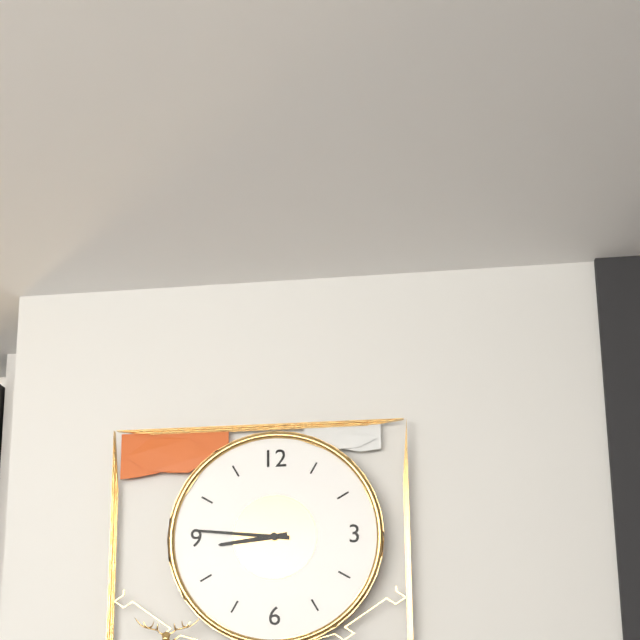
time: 8:46
